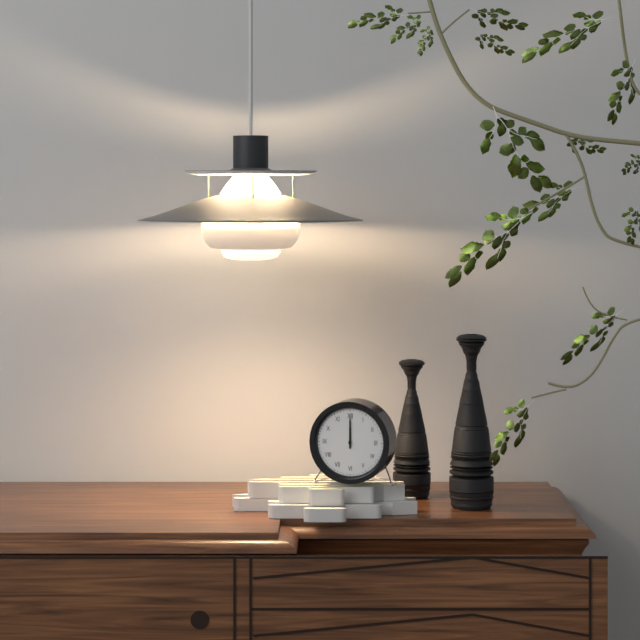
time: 12:00
